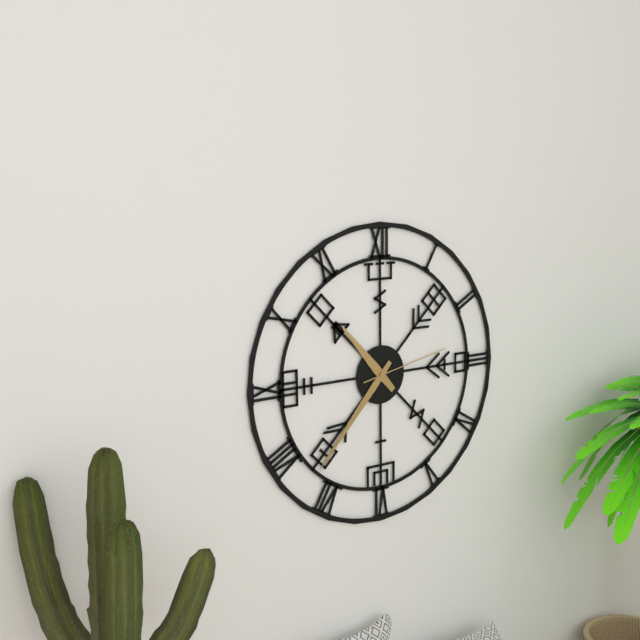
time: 10:37:13
